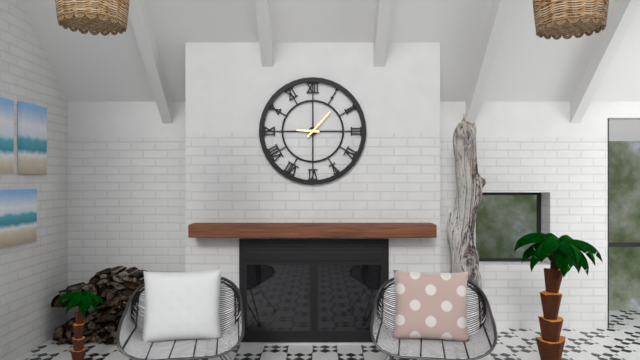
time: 9:07
